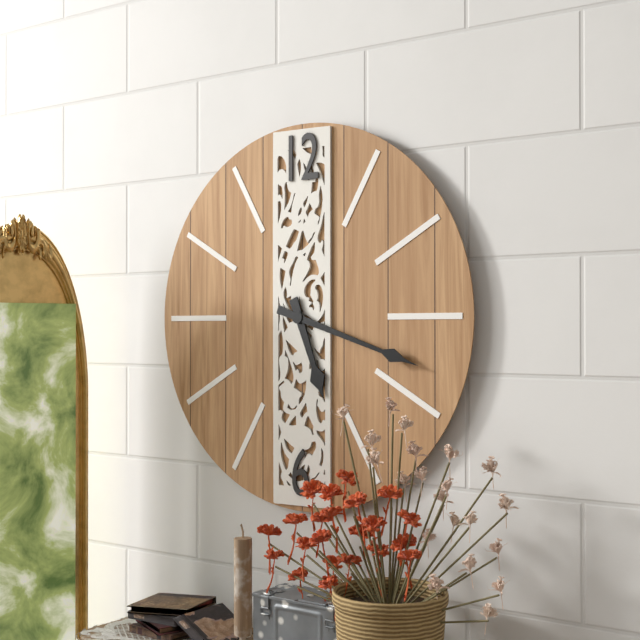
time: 5:18
